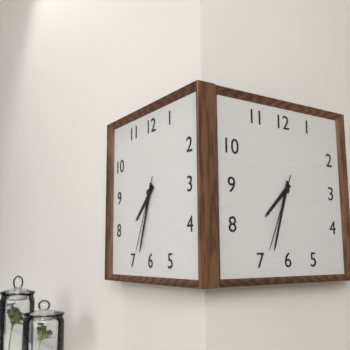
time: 7:33:34
